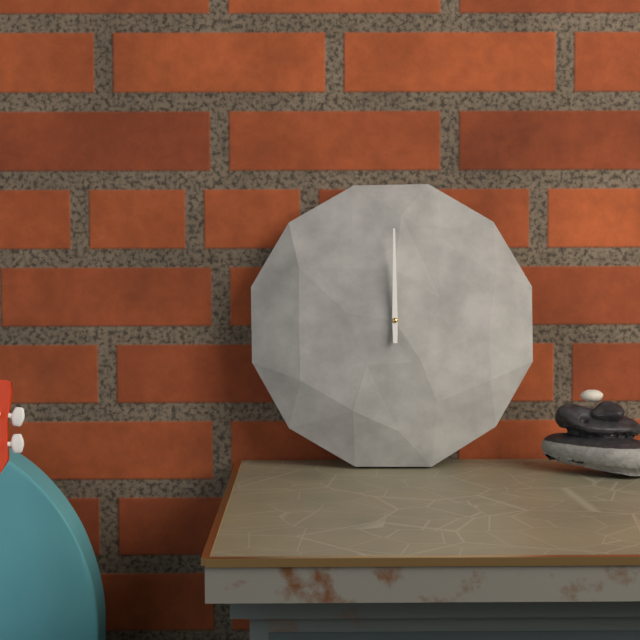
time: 12:00
